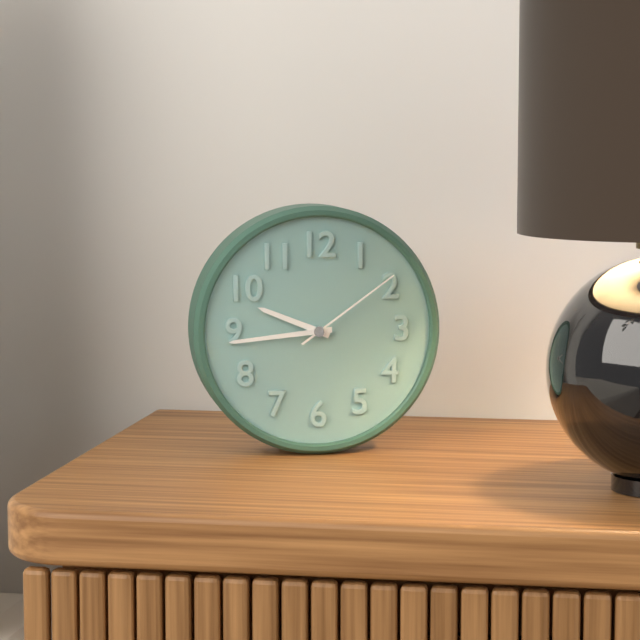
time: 9:44:09
